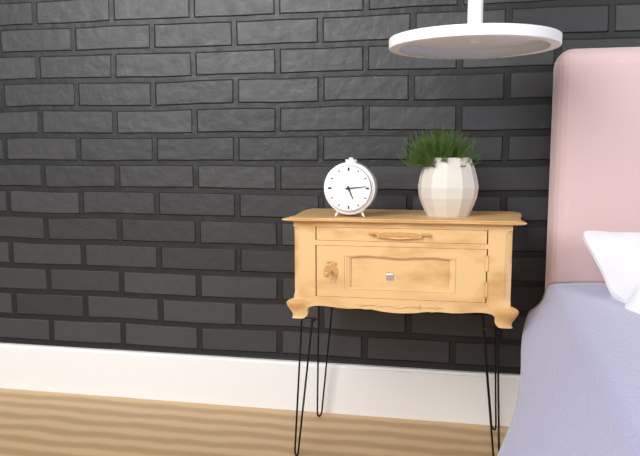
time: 5:14
